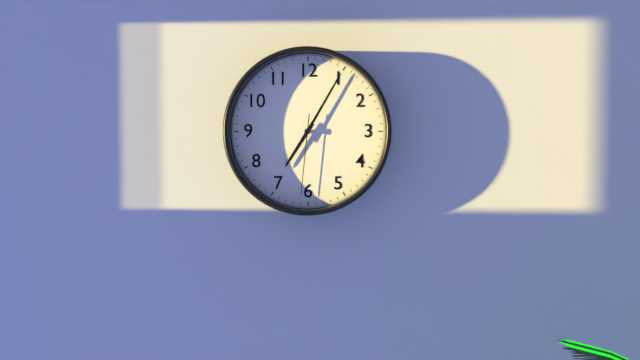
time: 7:05:31
